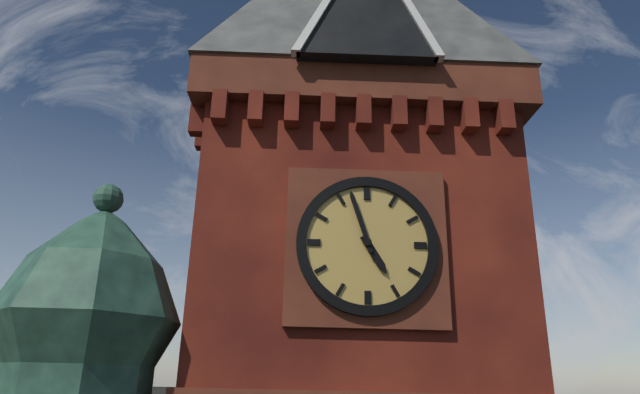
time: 4:57
